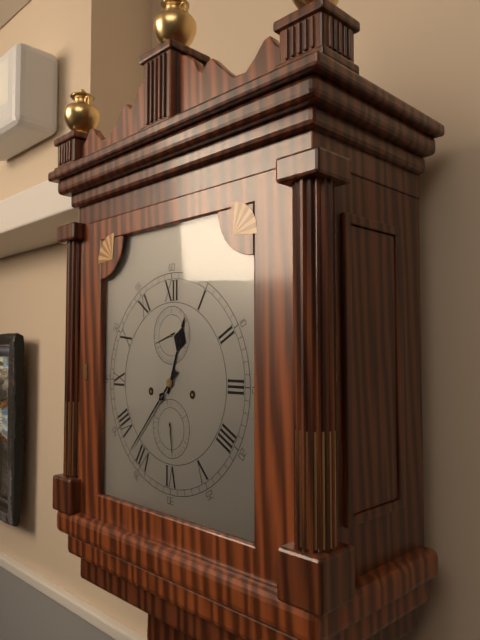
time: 12:37
